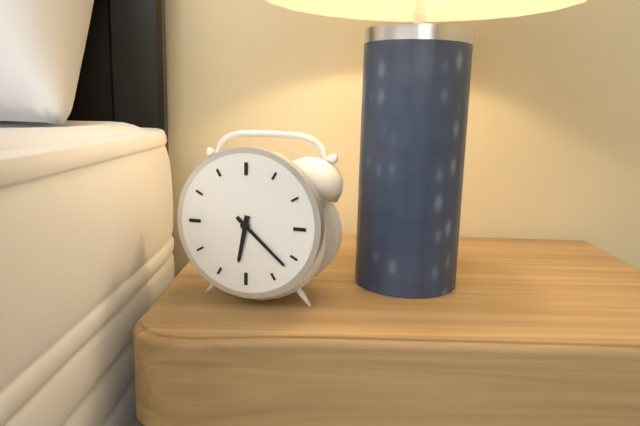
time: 6:22
